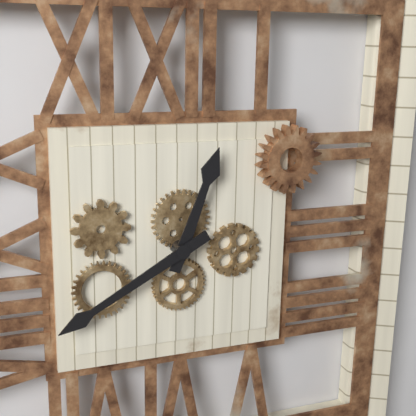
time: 12:40
